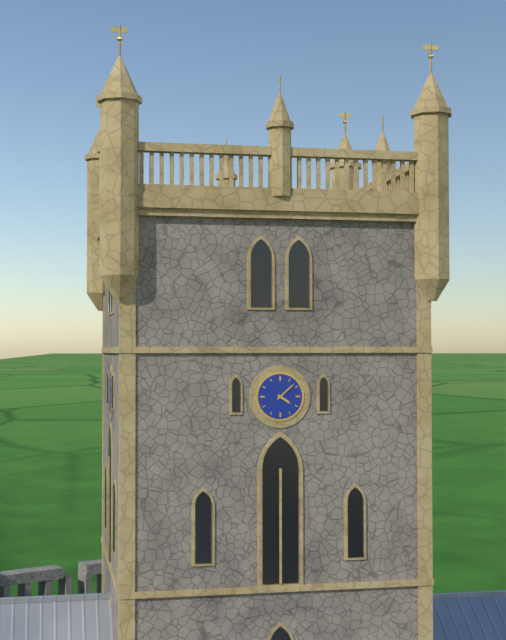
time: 4:08
